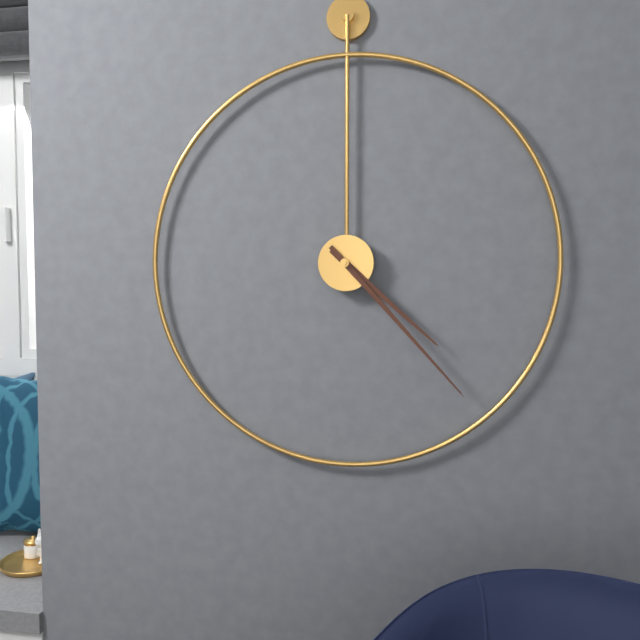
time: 4:23
